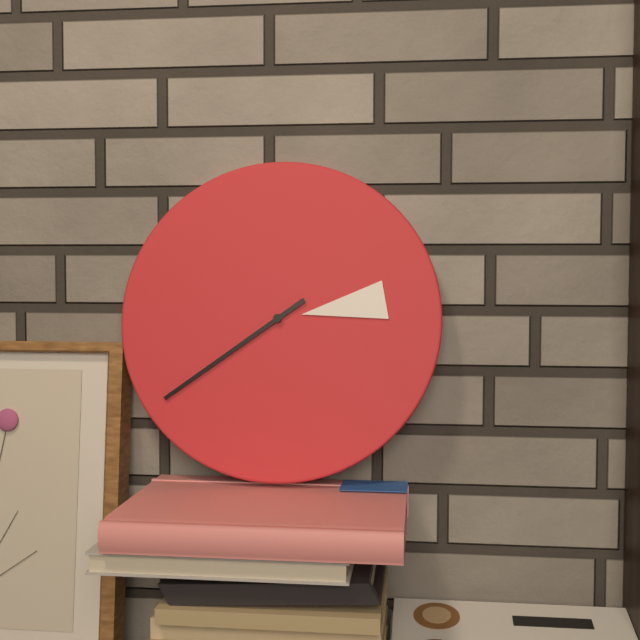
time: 2:39
